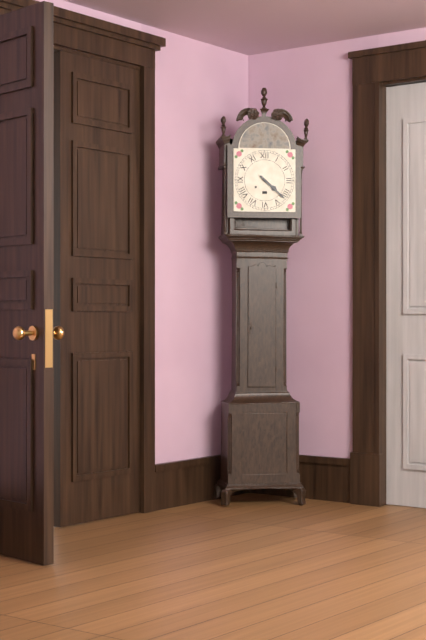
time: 4:22
